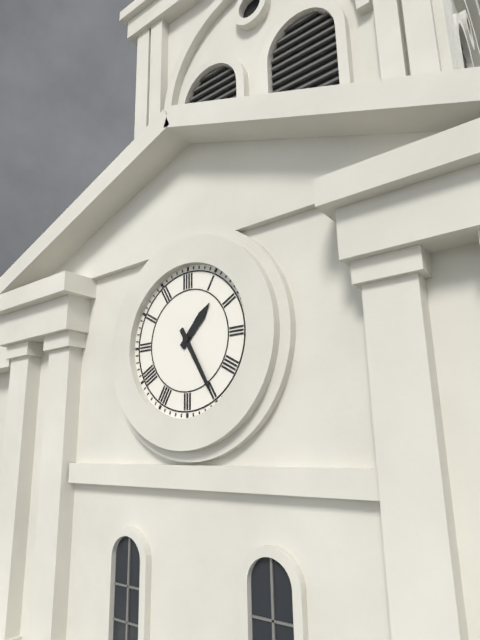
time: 1:25
